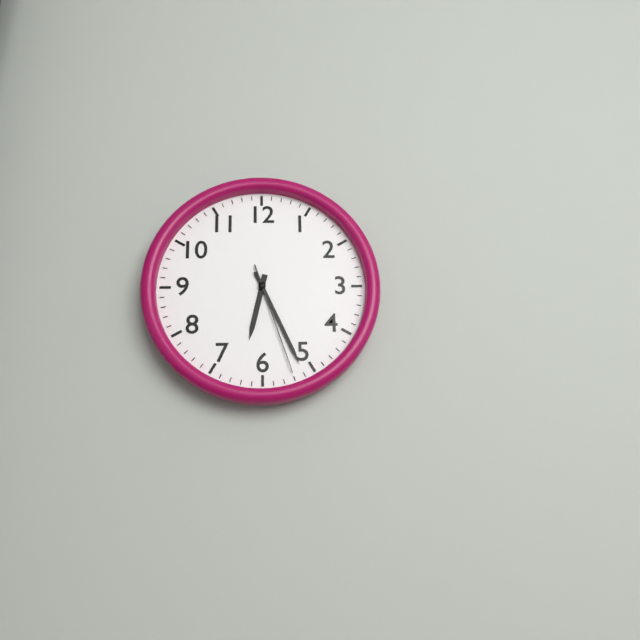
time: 6:26:27
